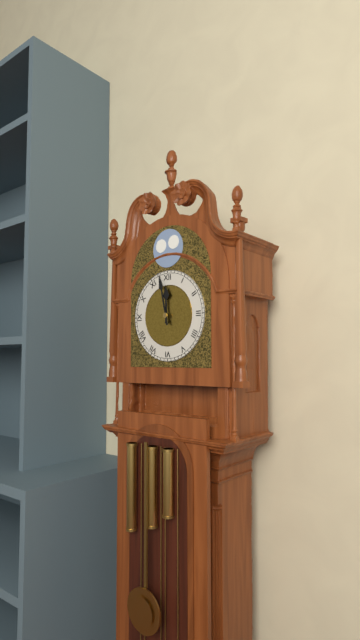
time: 11:58
